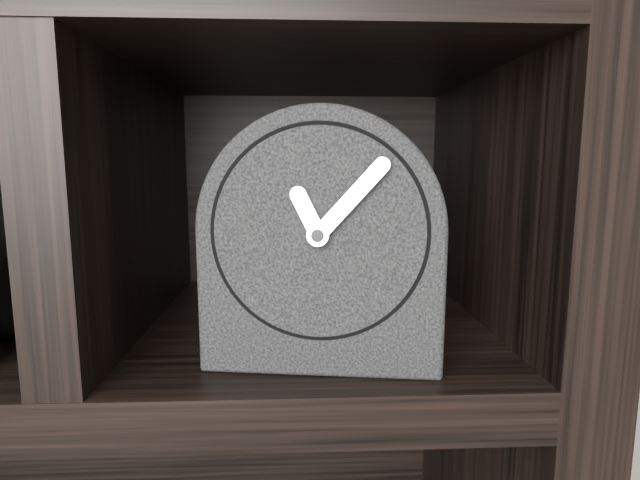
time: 11:07
